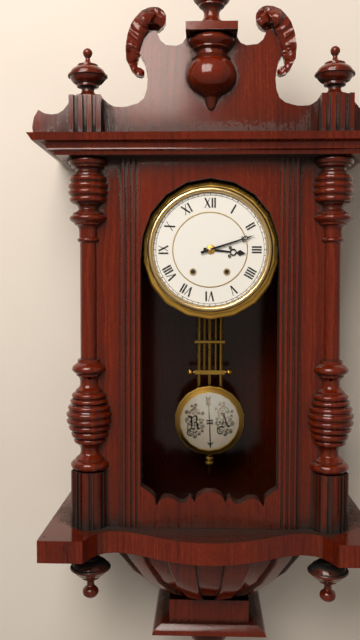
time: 3:12
